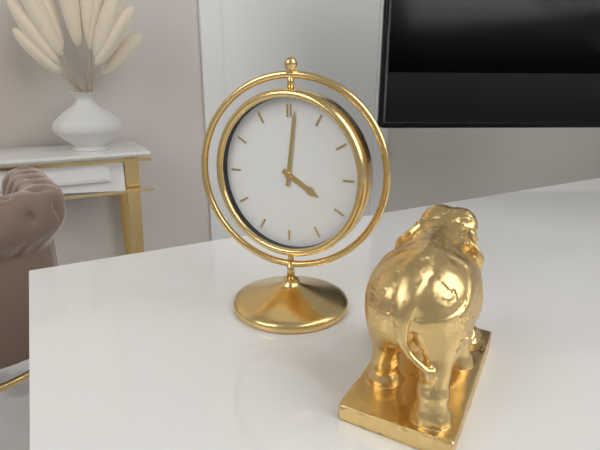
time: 4:01
